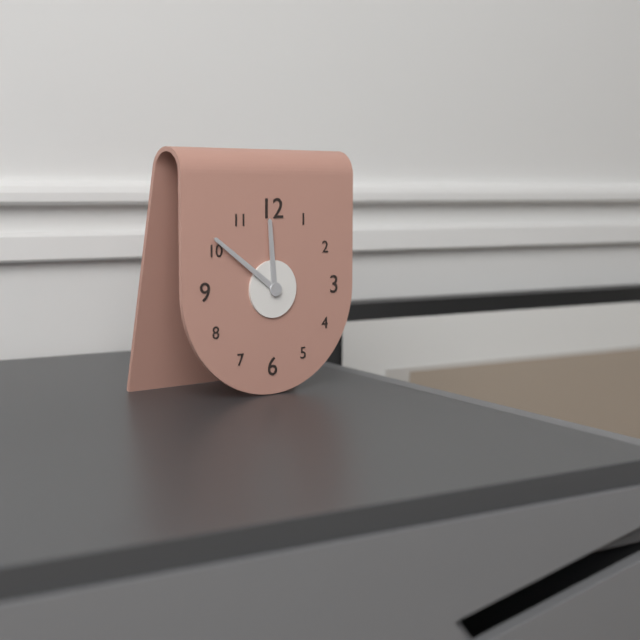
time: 11:51
